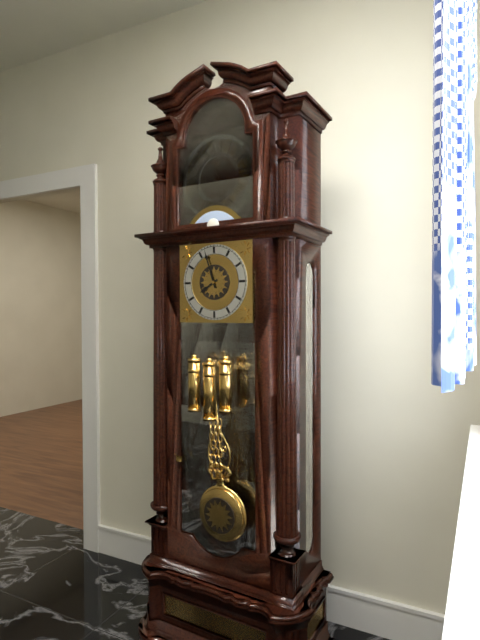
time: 7:57
